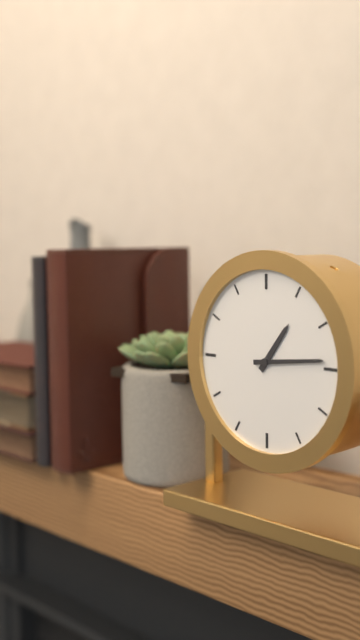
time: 1:14
